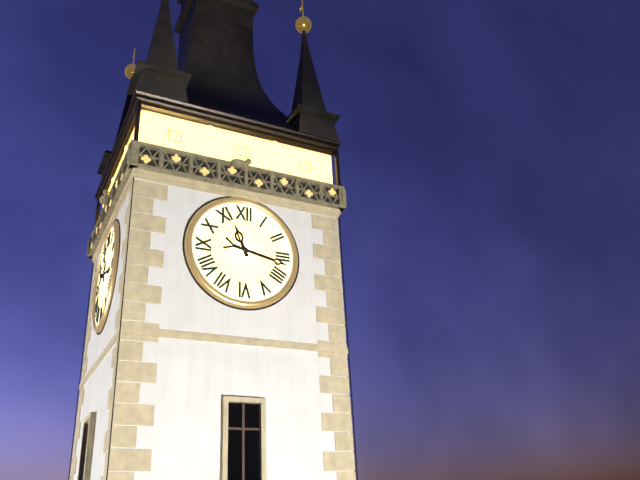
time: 11:17
